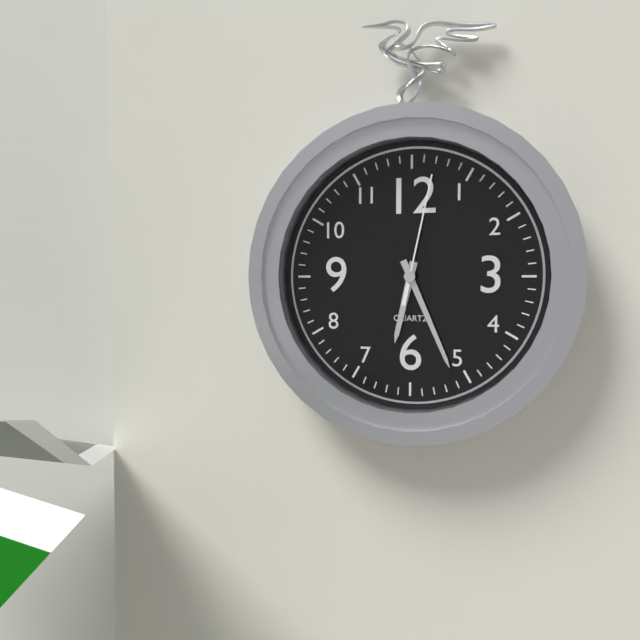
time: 6:26:02
